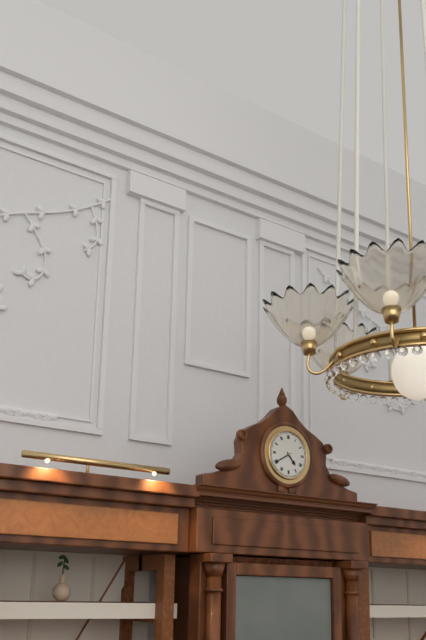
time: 4:40
